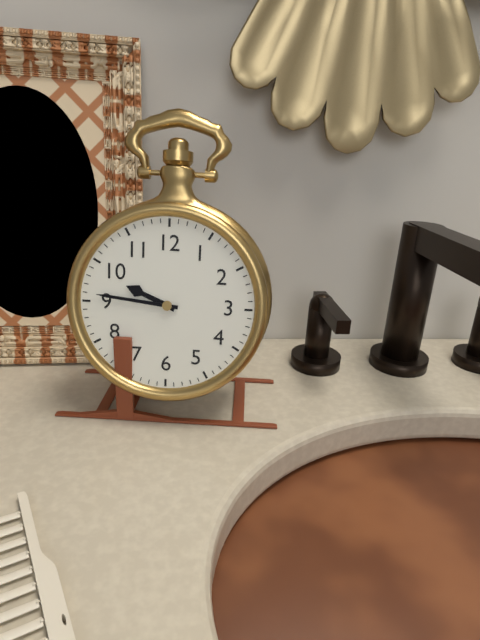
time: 9:46
